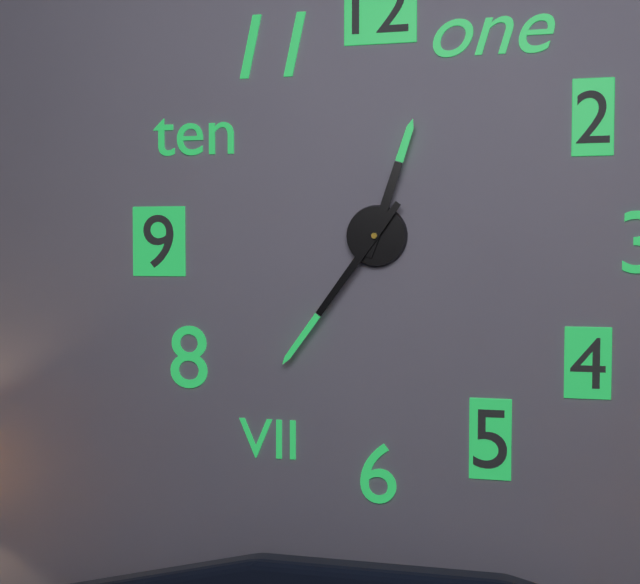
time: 12:36
